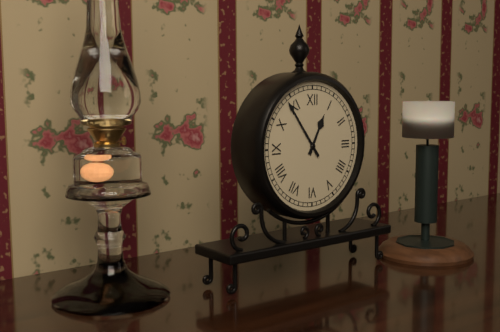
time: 12:54
